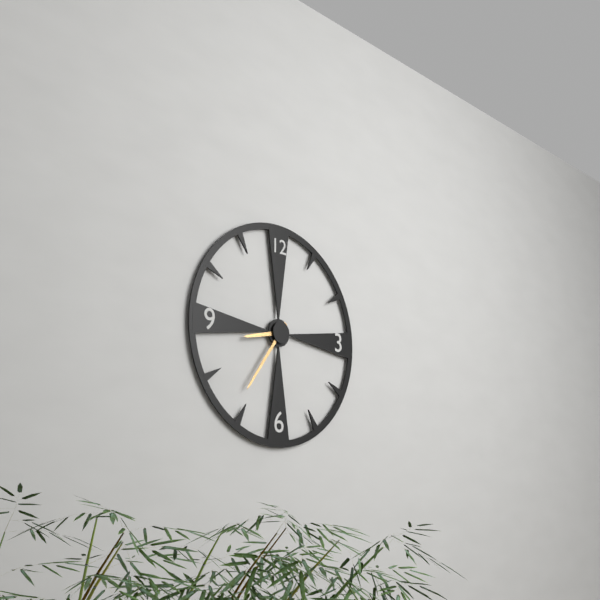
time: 8:36
